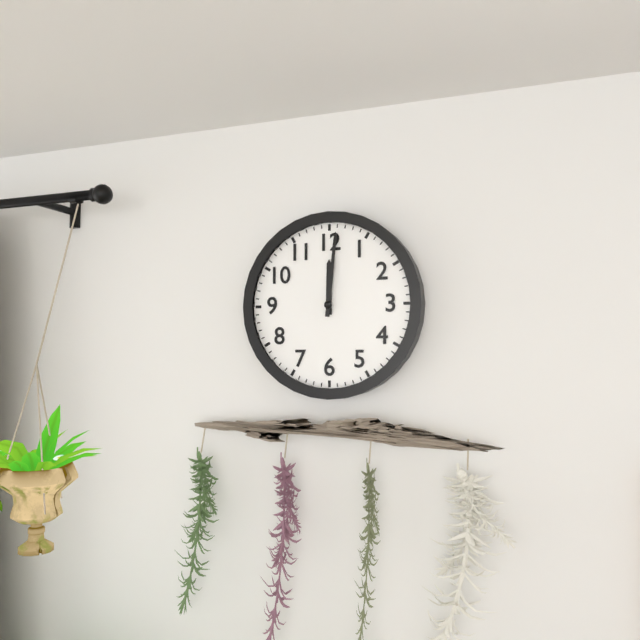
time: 12:01
